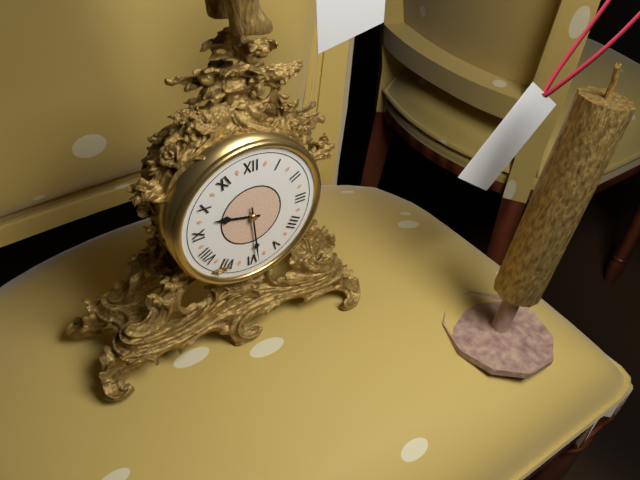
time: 9:29
